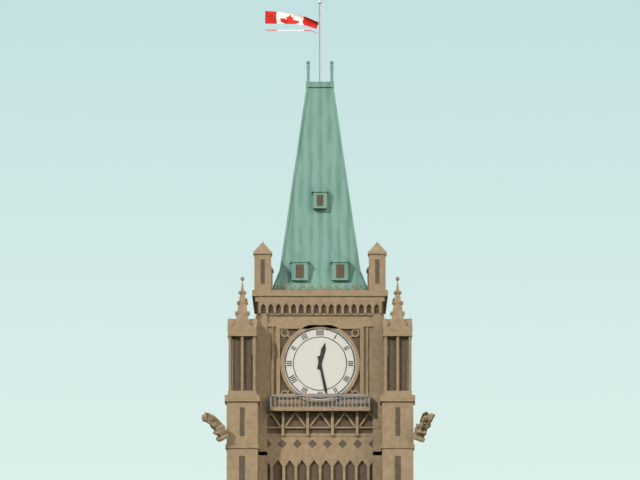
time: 12:28
